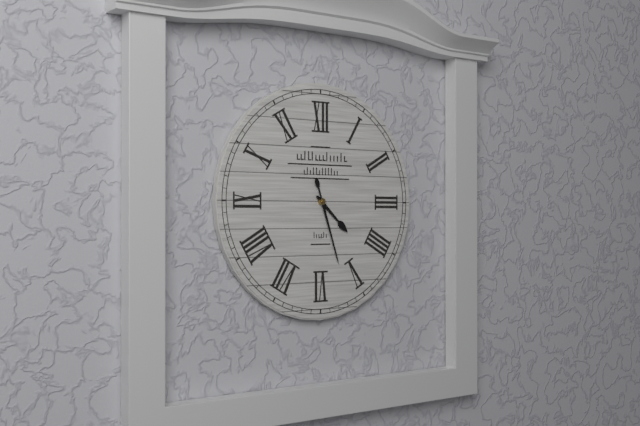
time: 4:27
